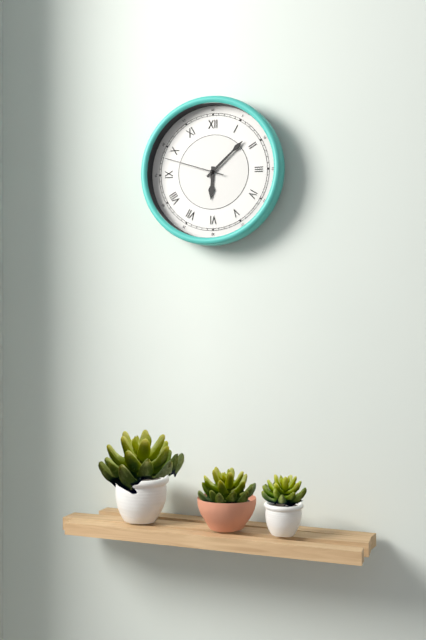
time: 6:08:48
